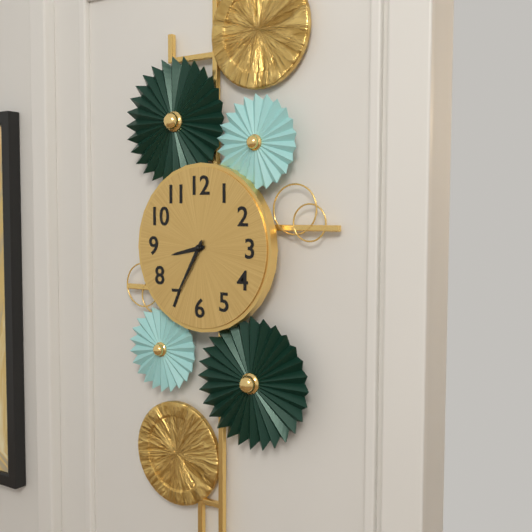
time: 8:35
